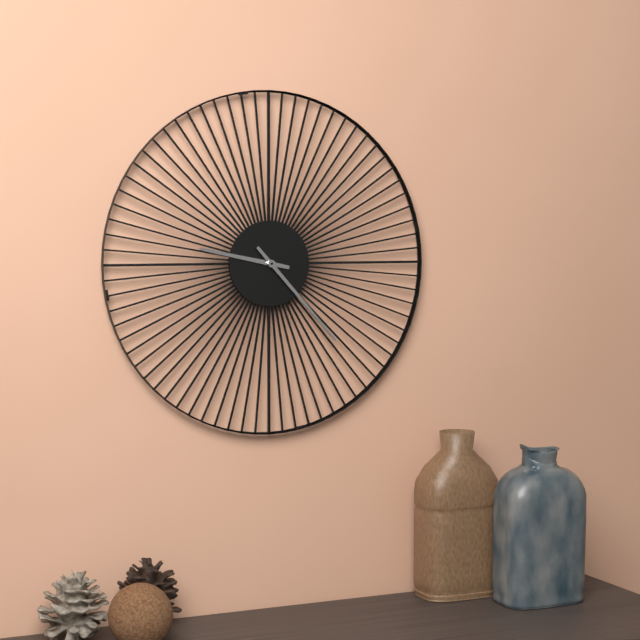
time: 9:23
